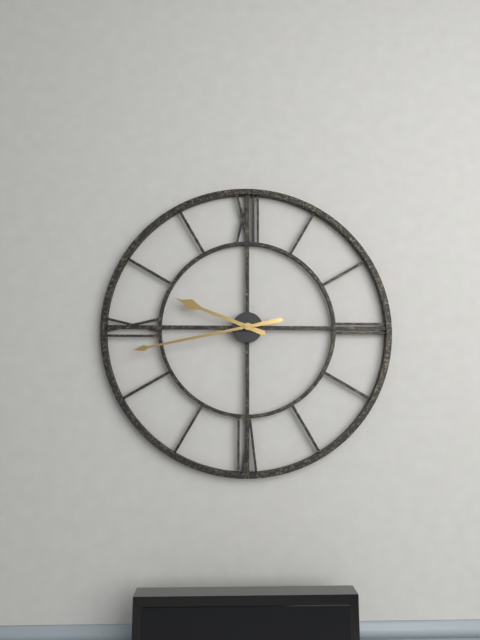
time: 9:43
